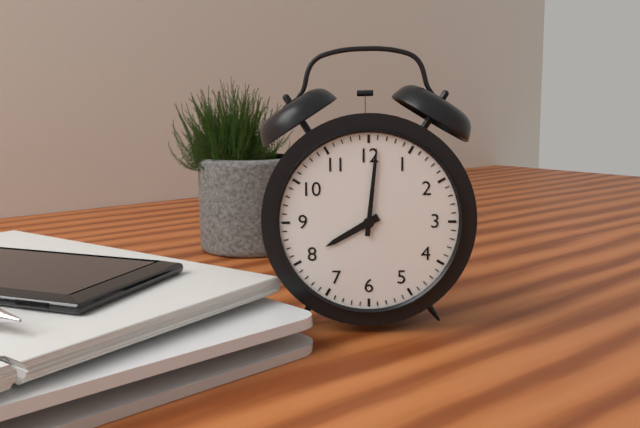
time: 8:01
